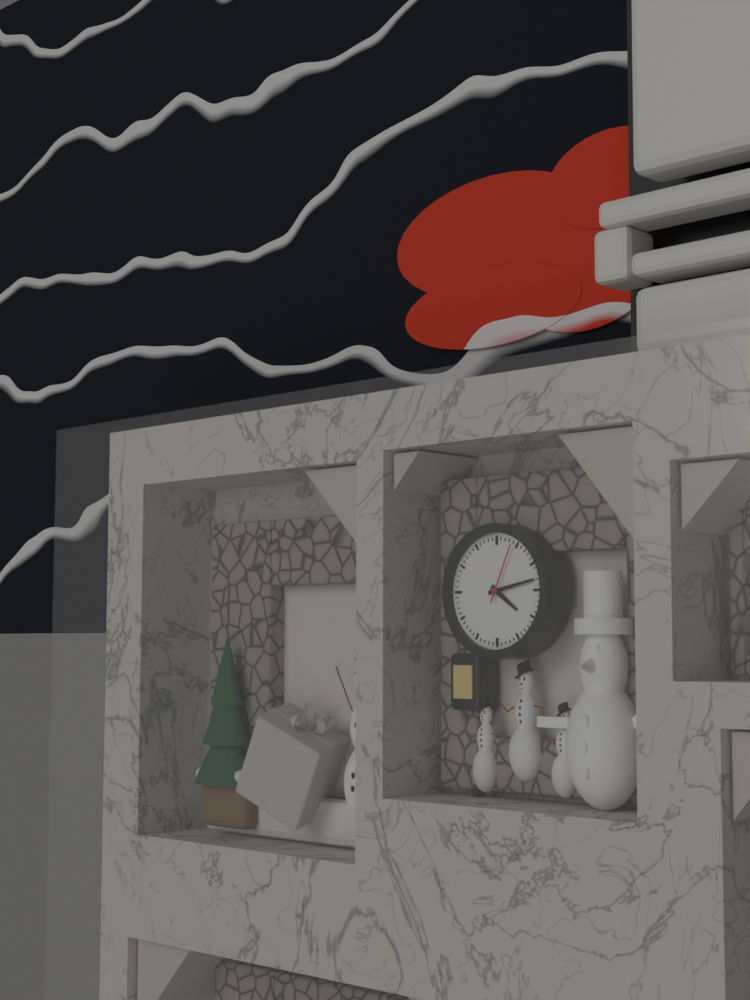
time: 4:13:04
